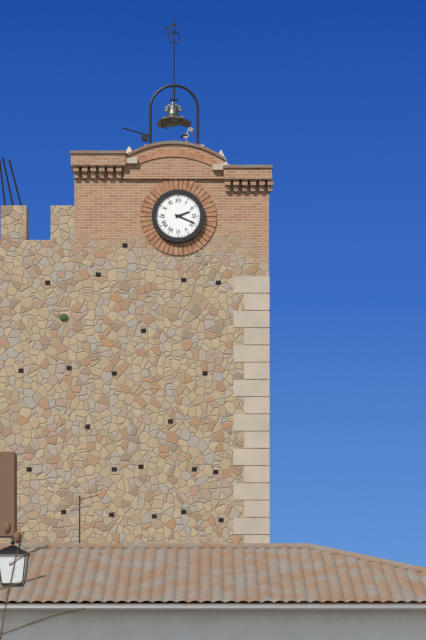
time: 2:19
